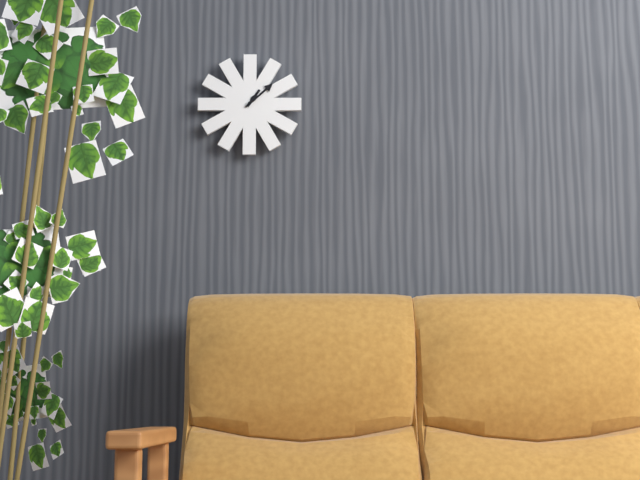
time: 1:08
